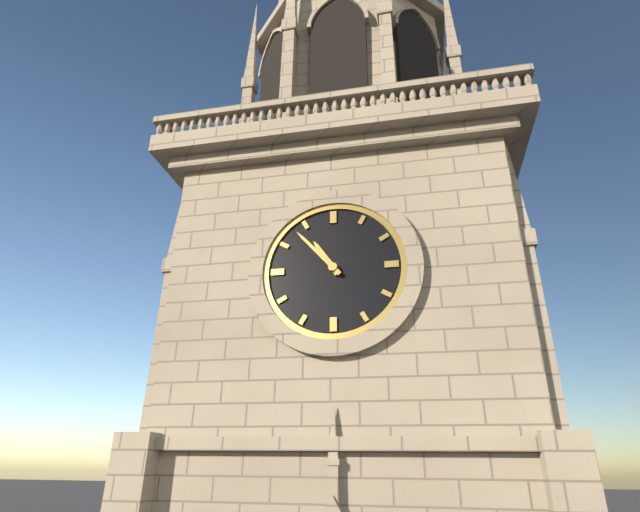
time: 10:53
